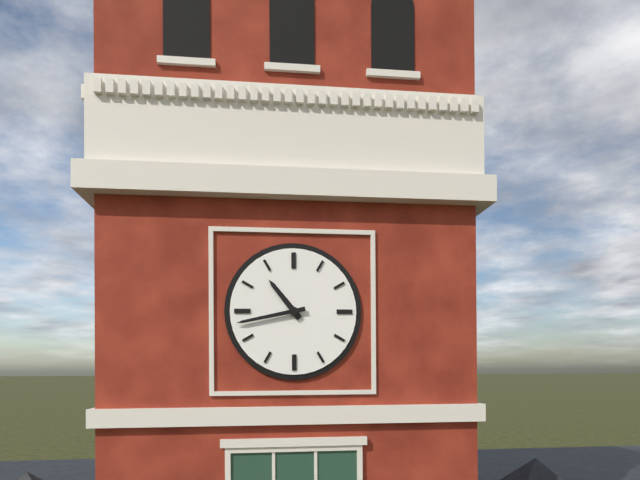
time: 10:43
